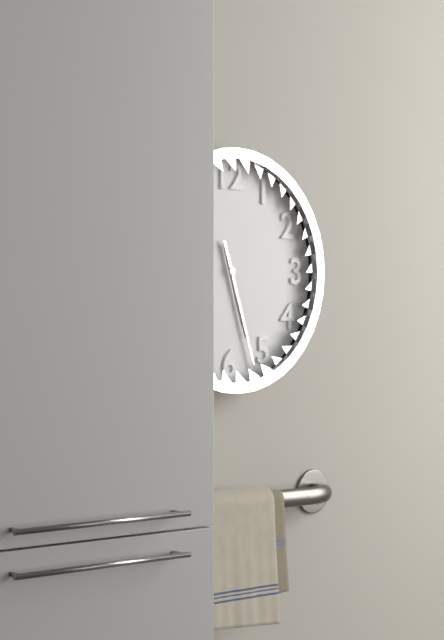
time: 5:27
